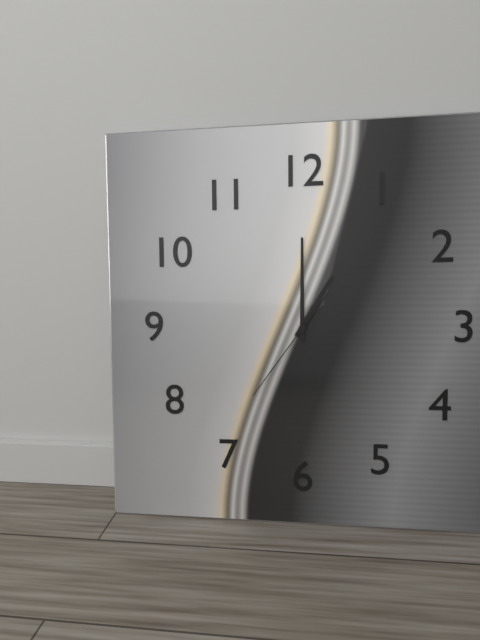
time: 1:00:36
